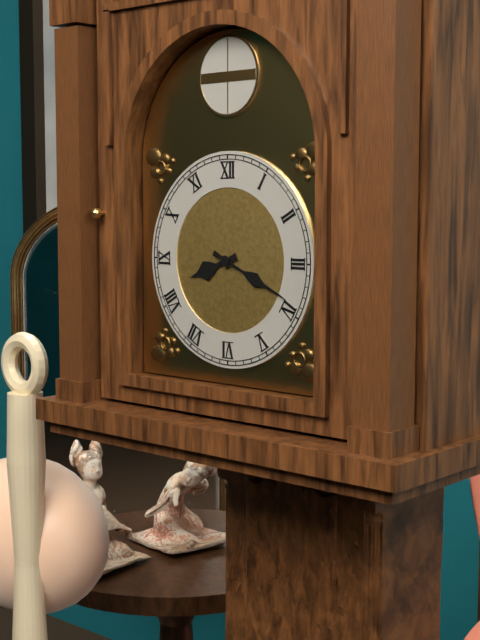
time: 8:19
